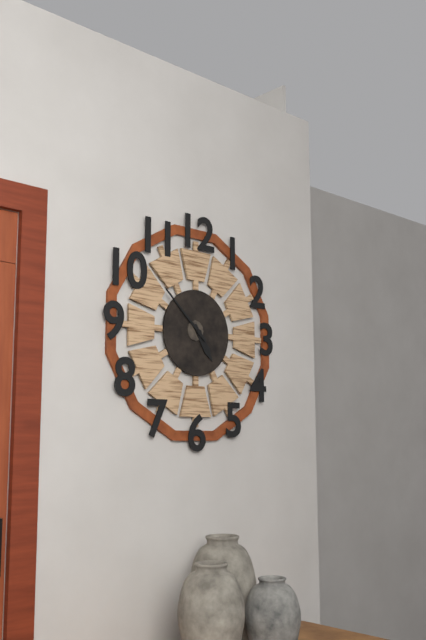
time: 4:52
